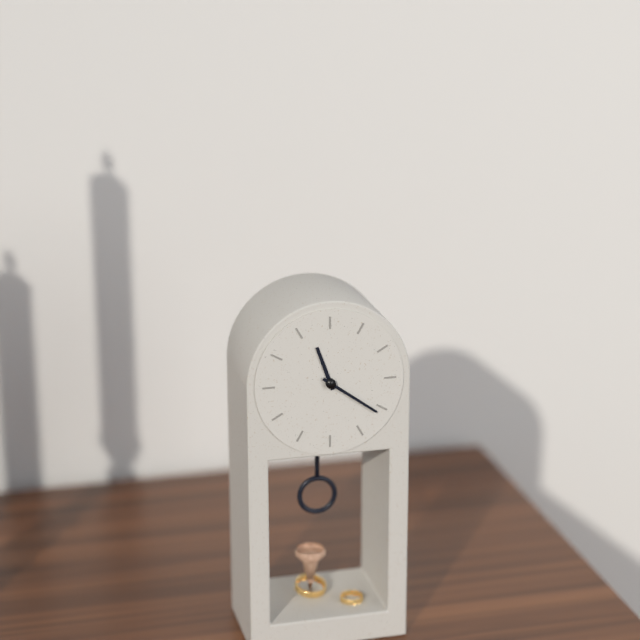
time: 11:21
